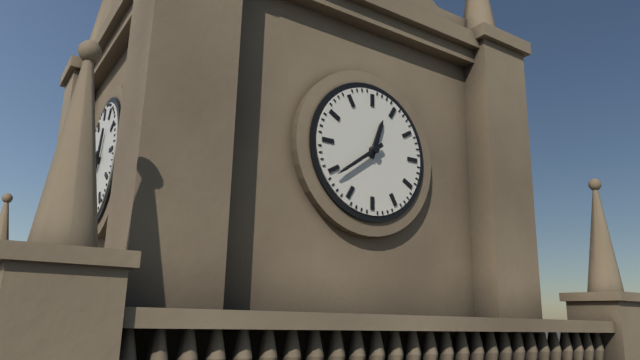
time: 12:39
